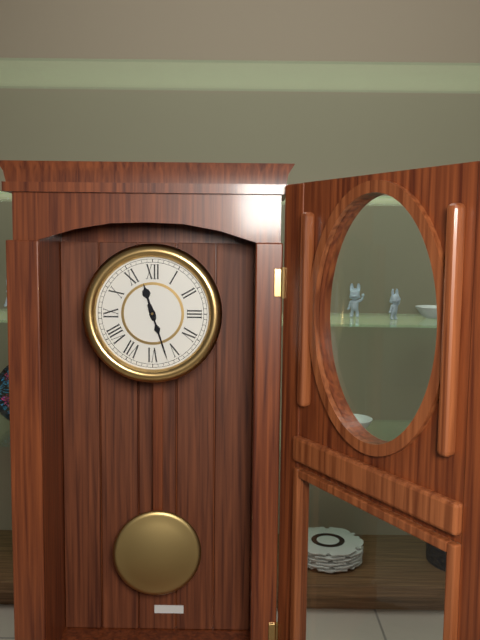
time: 11:27
